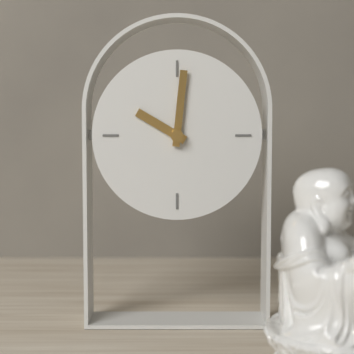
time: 10:01
